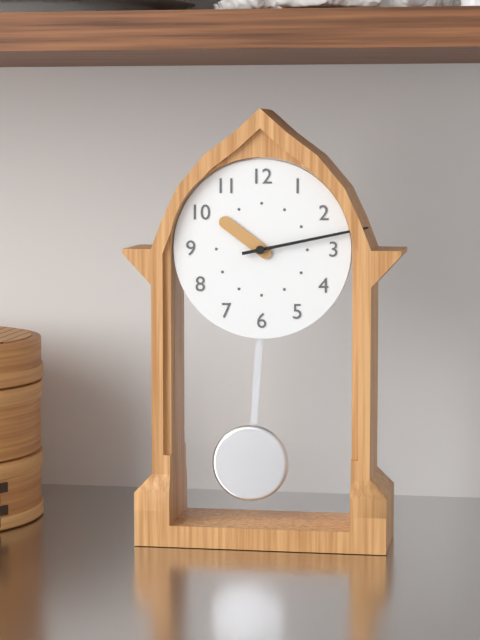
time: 10:13
